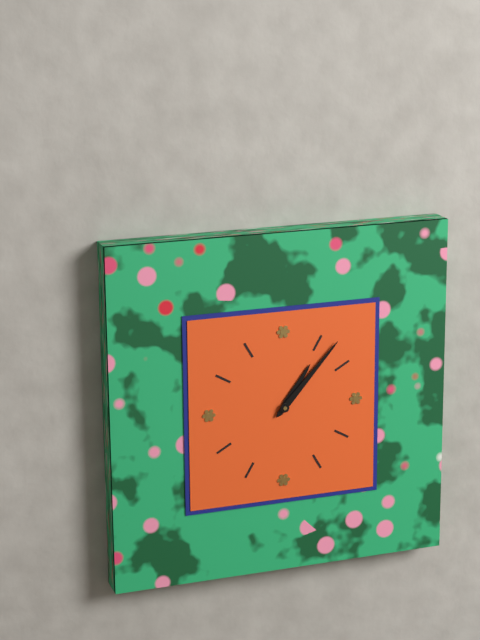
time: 1:07
